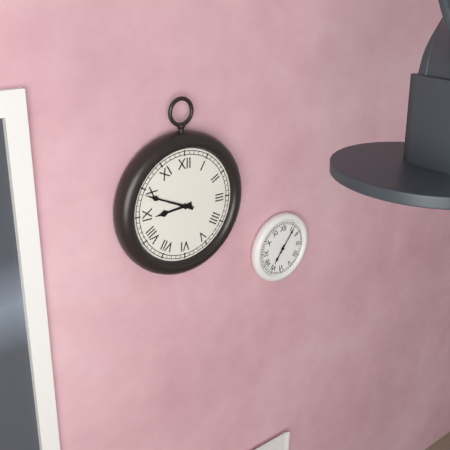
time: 8:49
